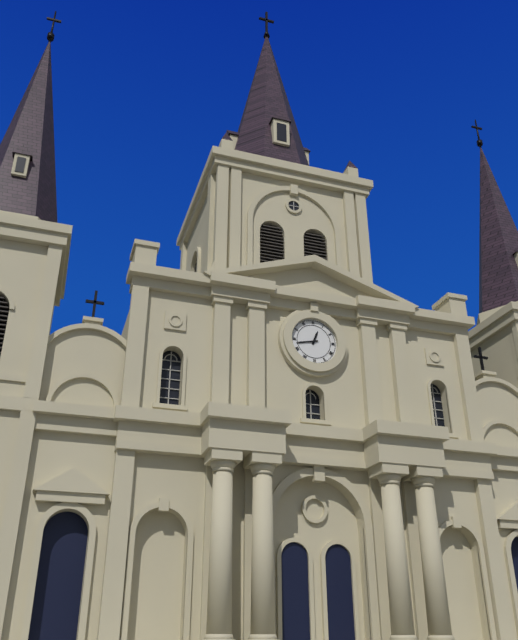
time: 12:43
